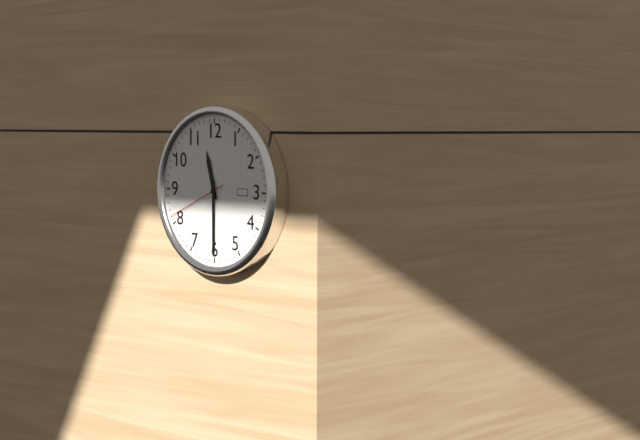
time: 11:30:41
